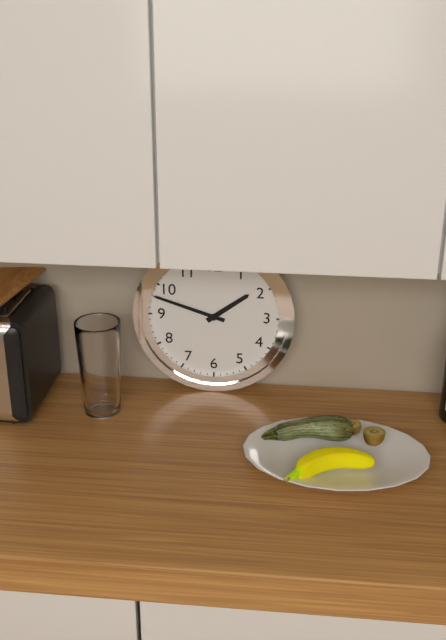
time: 1:48
